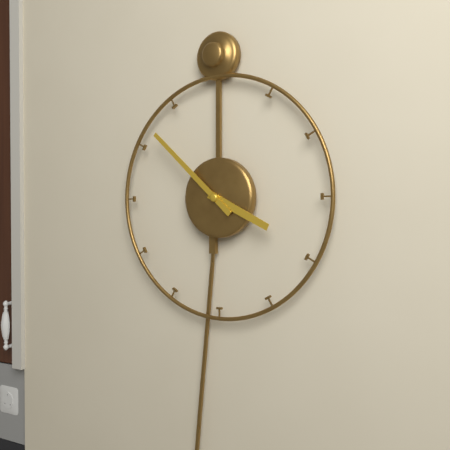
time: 3:52
